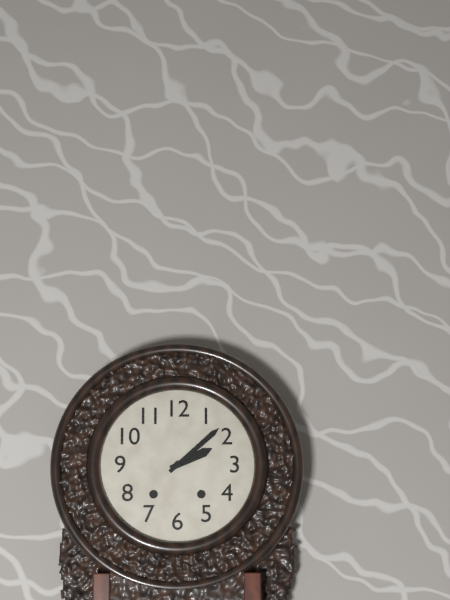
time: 2:08
